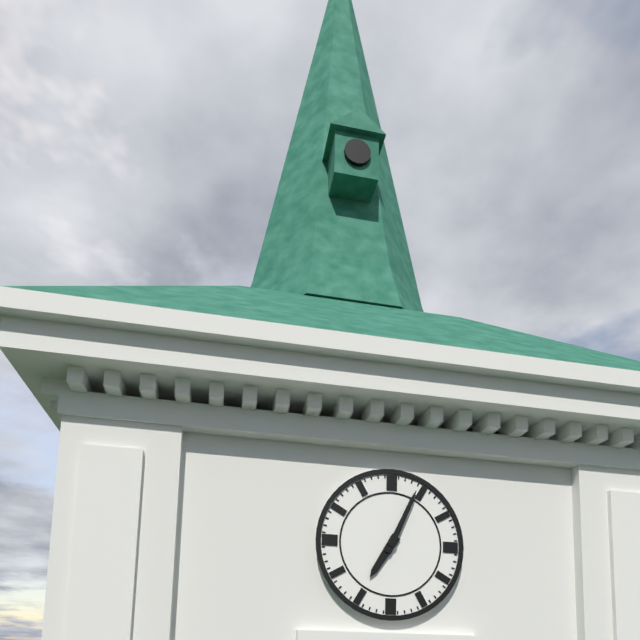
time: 7:04
